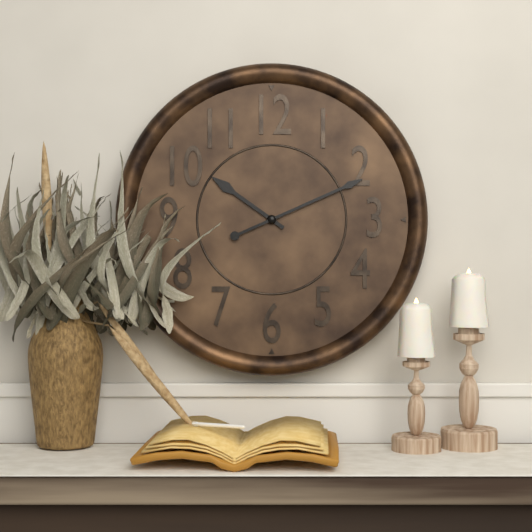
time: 10:11
